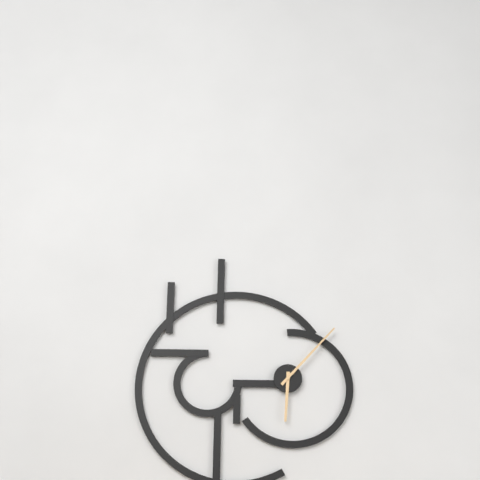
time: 6:07
